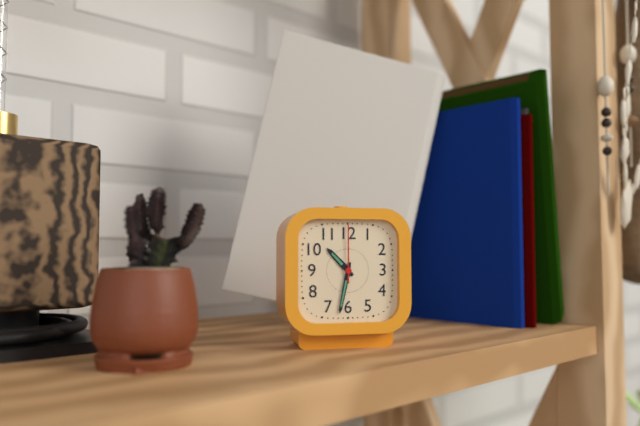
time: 10:32:00
